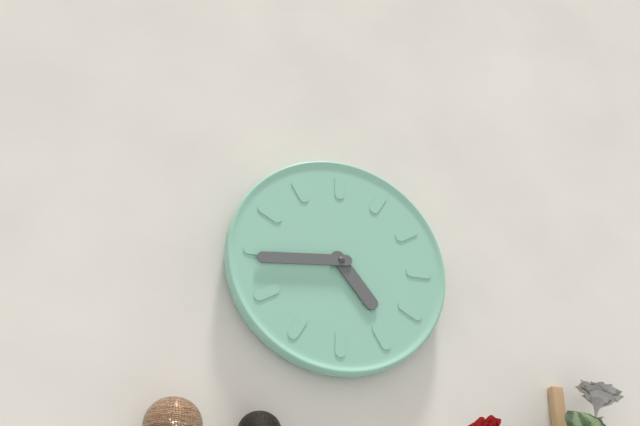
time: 4:44
